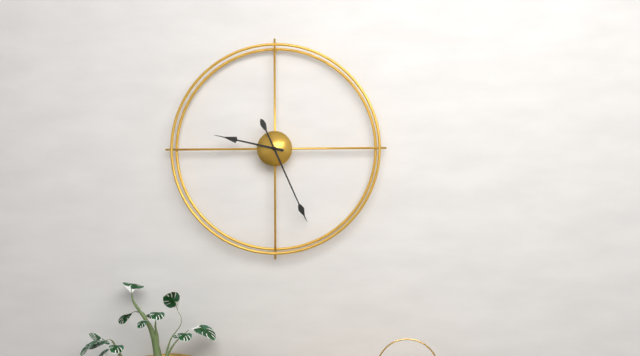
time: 9:26
